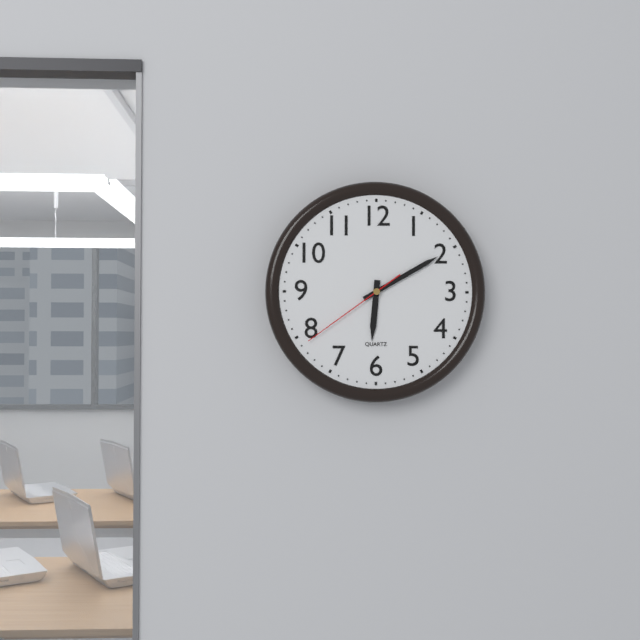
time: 6:10:39
